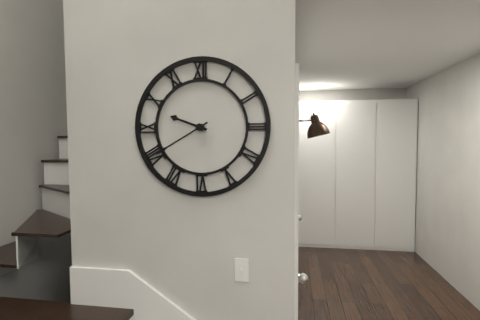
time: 9:40
